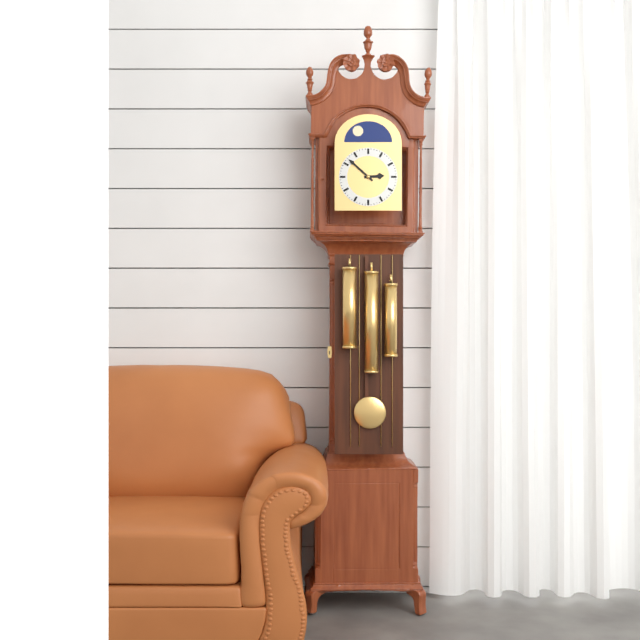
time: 2:52
